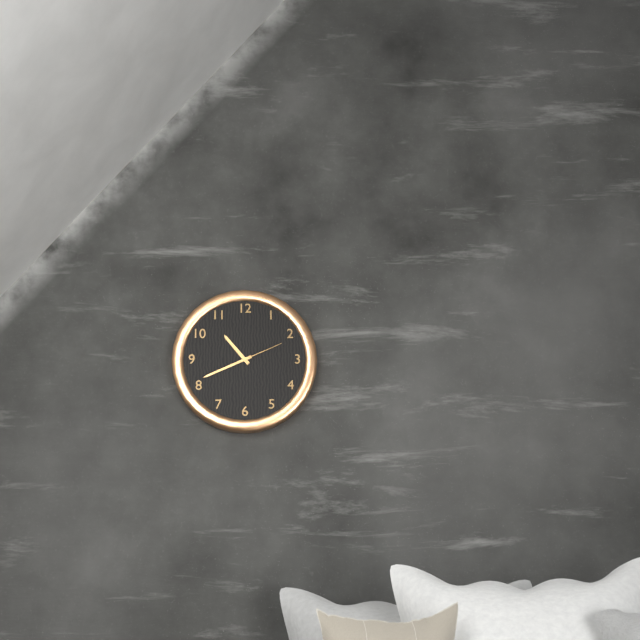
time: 10:41:11
